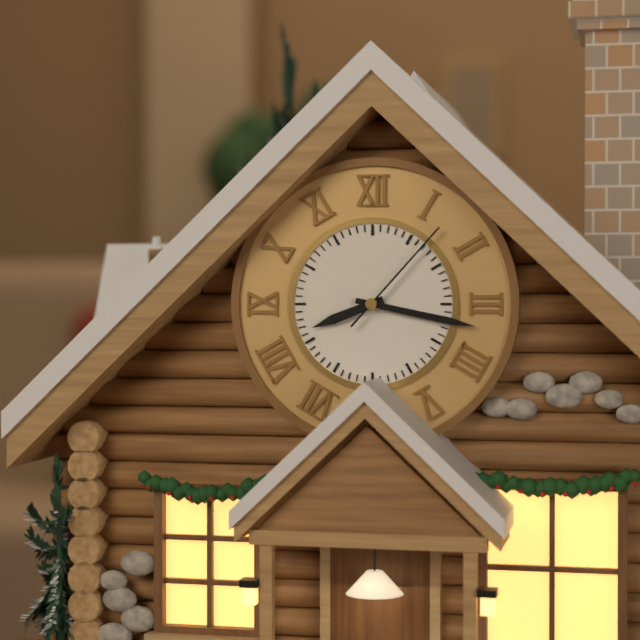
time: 8:17:07
